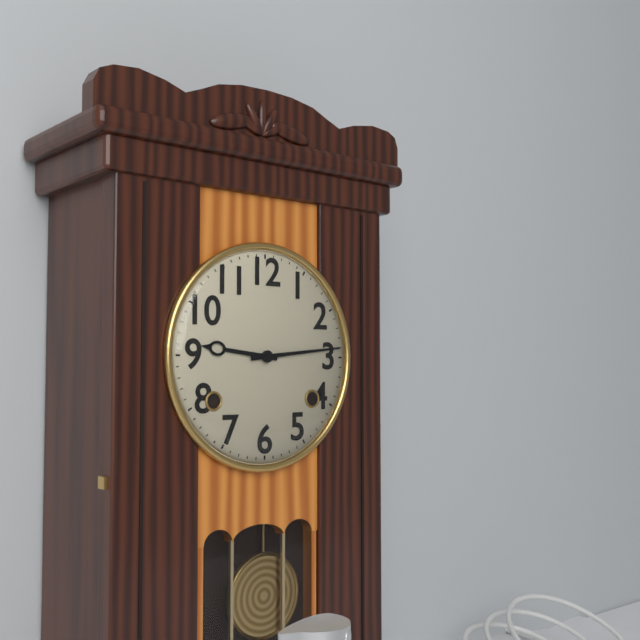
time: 9:14
